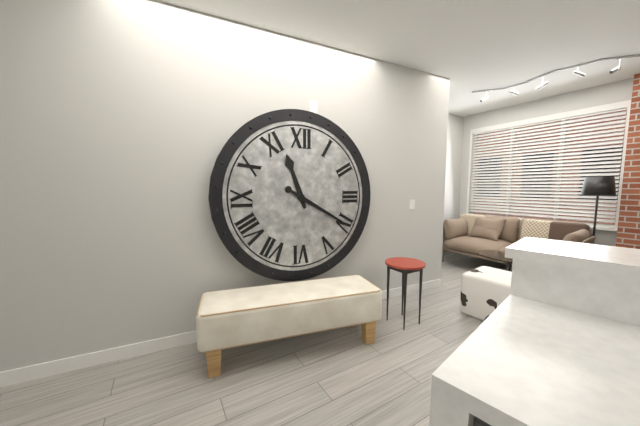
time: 11:20
